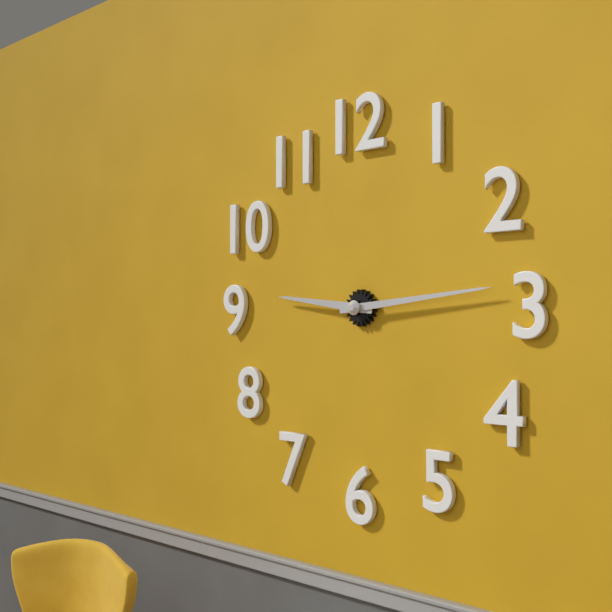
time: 9:14
